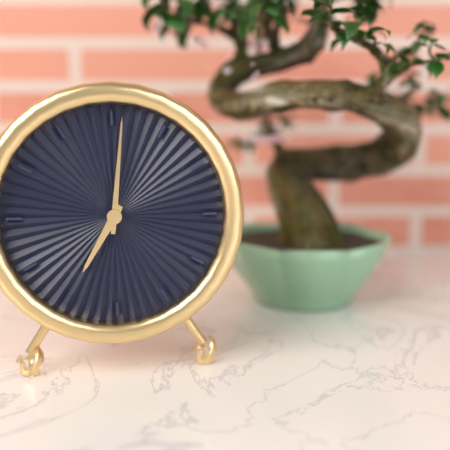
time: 7:01
